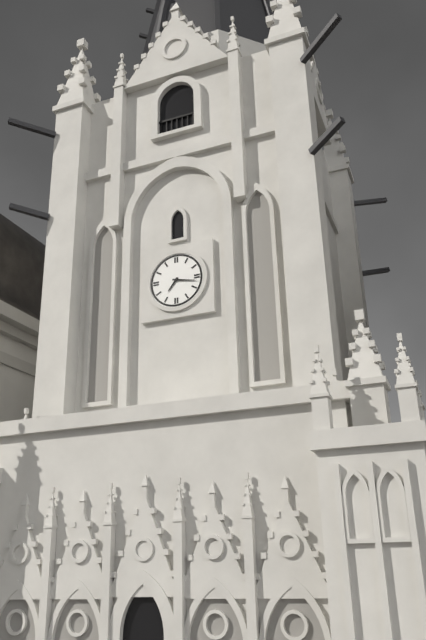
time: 7:17
